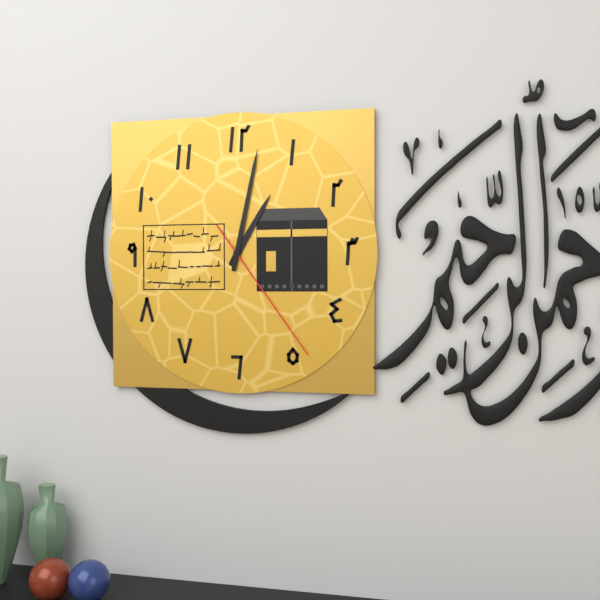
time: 1:02:24
